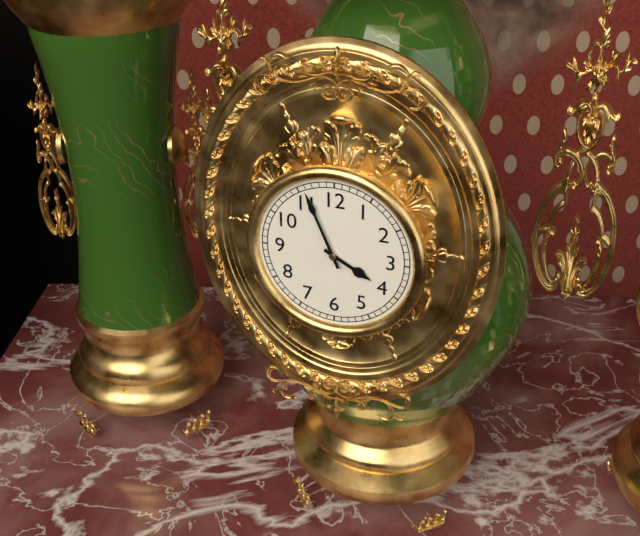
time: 3:56
